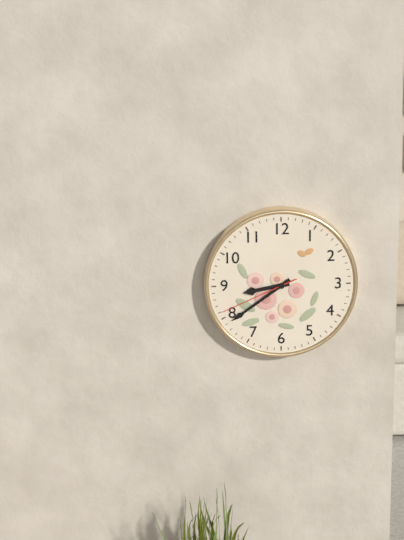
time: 8:39:41
